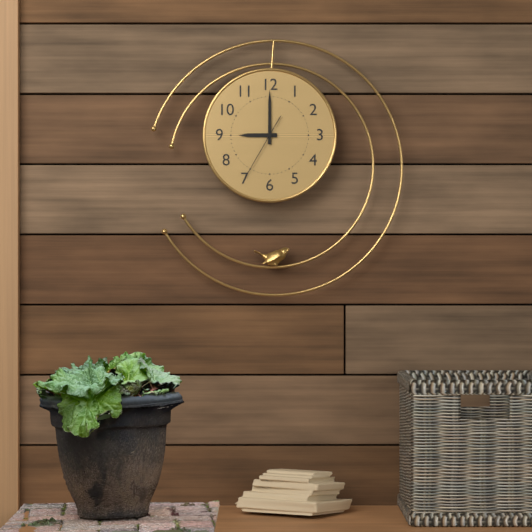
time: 9:00:35
